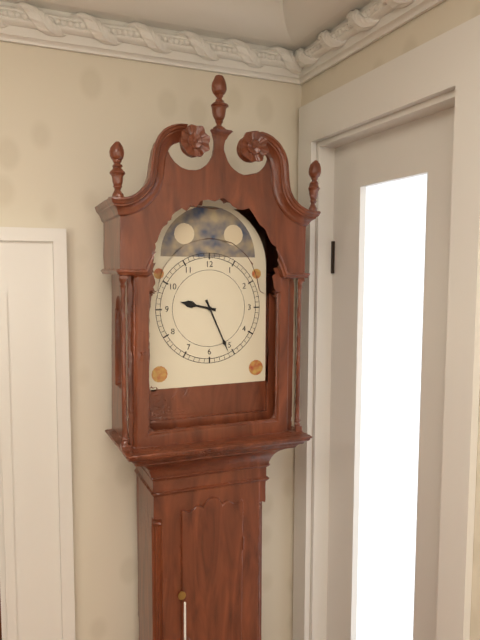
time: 9:26
